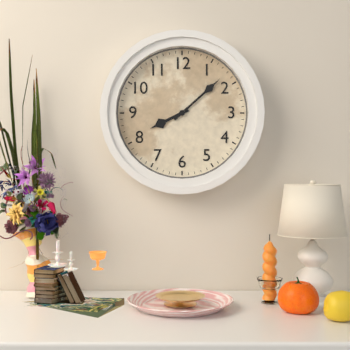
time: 8:08
